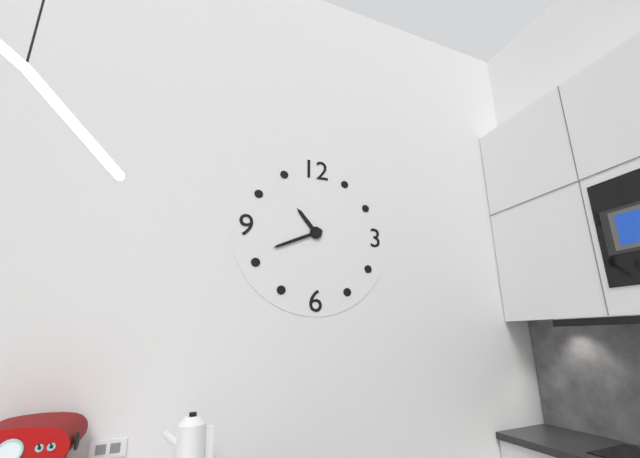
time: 10:41
